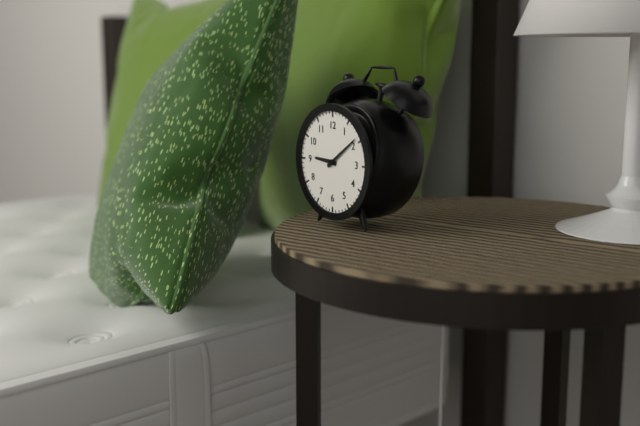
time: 9:09
